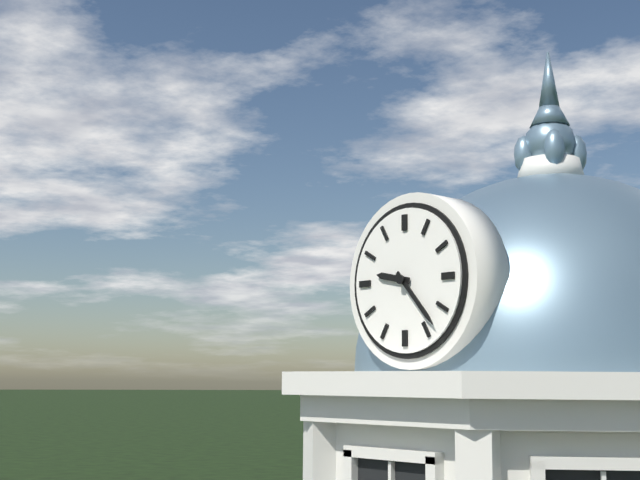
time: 9:23
